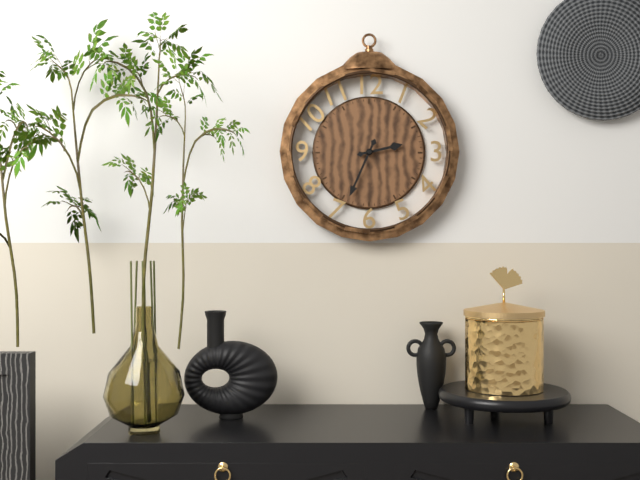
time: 2:34
